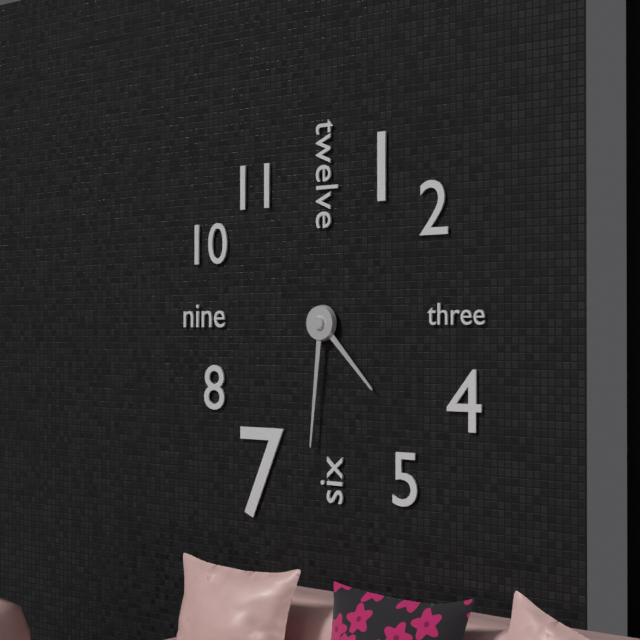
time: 4:31
